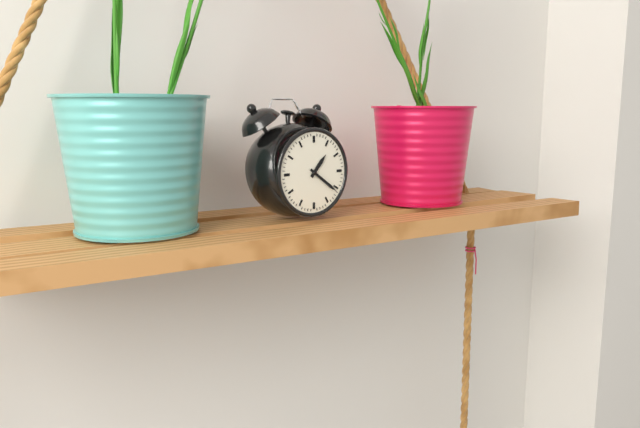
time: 1:21
